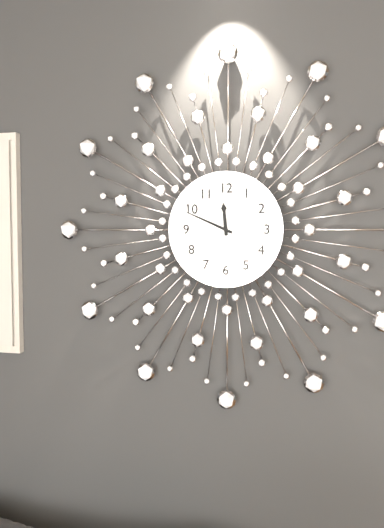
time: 11:49
